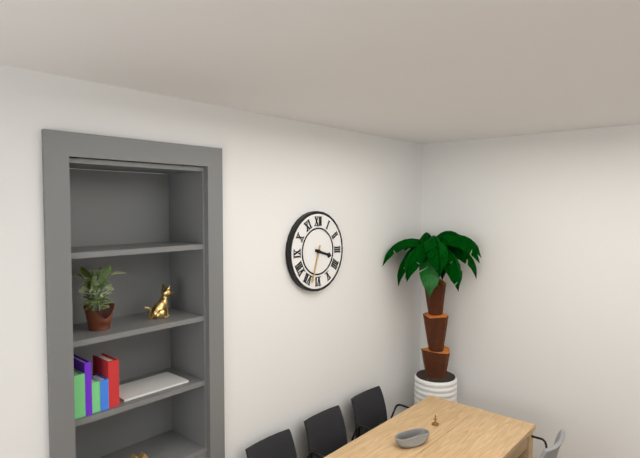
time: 3:33
